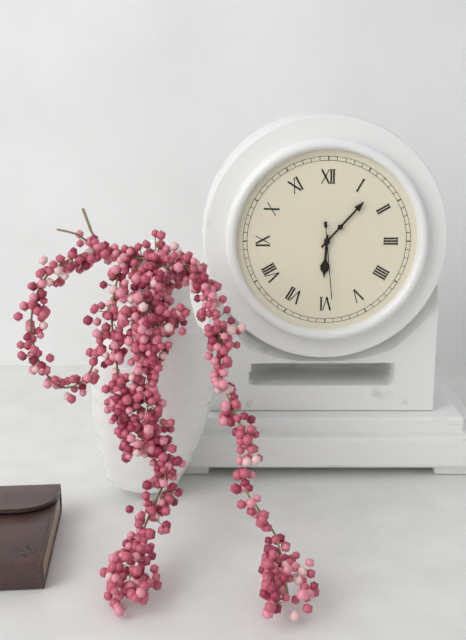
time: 6:07:29
